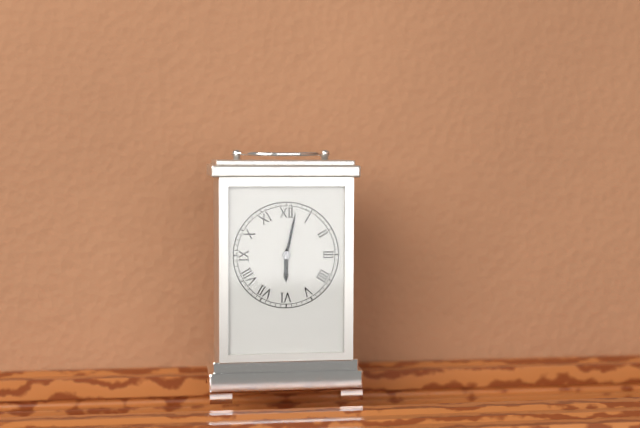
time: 6:02
